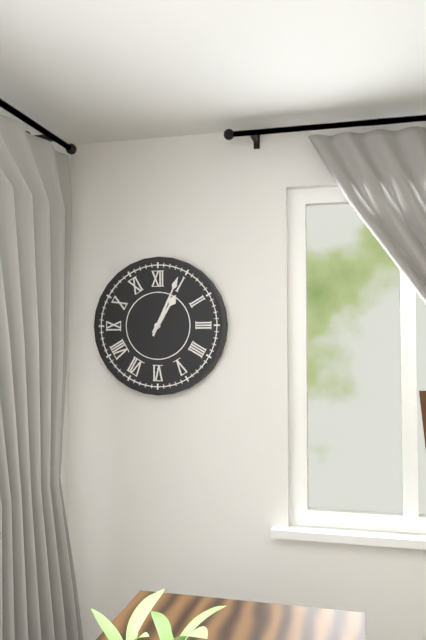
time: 1:04
